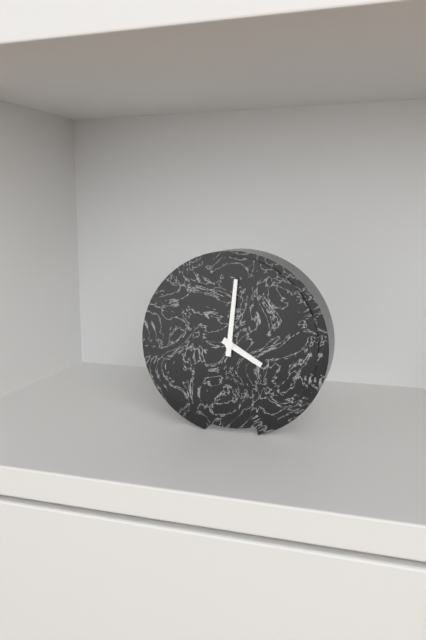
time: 4:01
